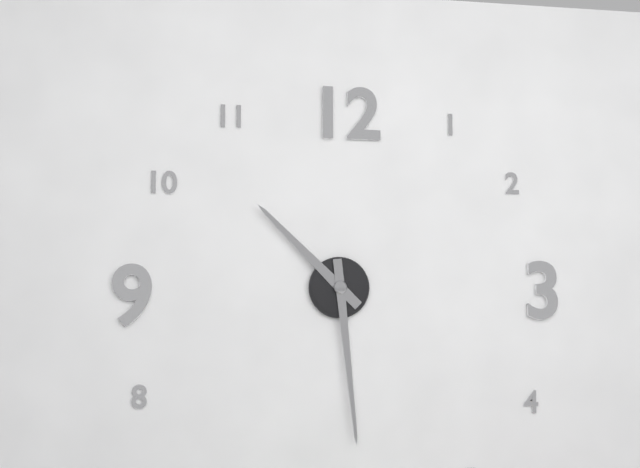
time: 10:29
